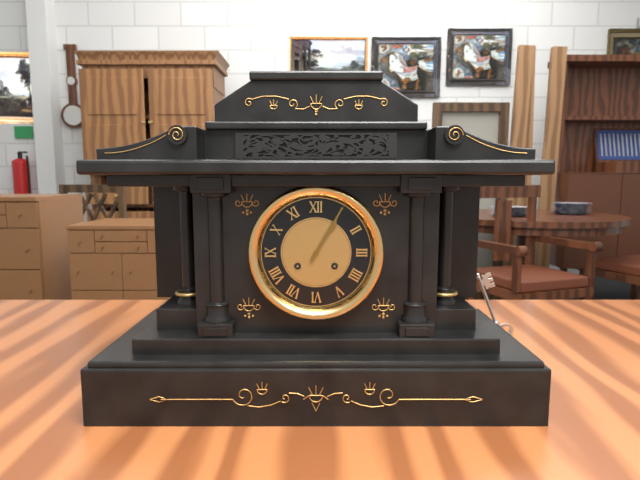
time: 1:05
